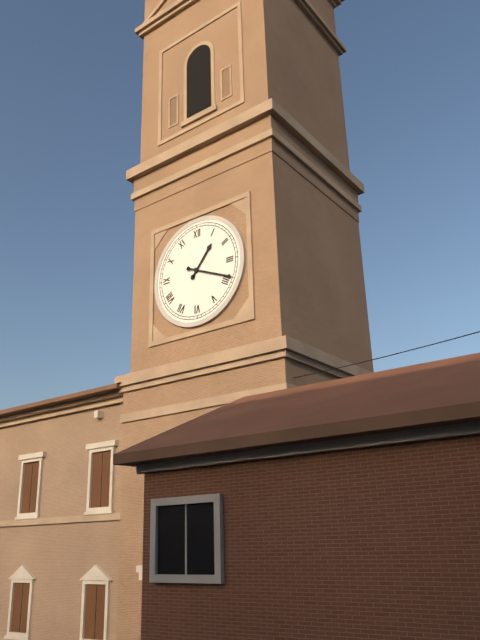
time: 1:19
